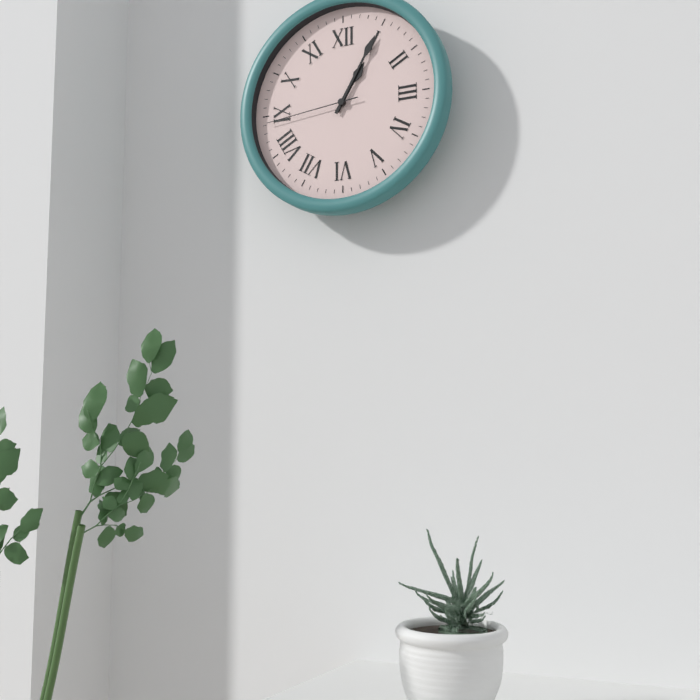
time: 1:05:44
